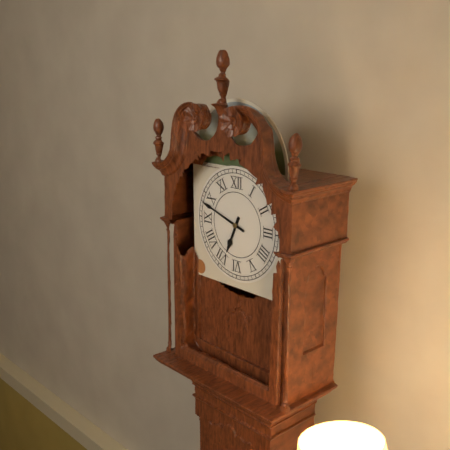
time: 6:48
